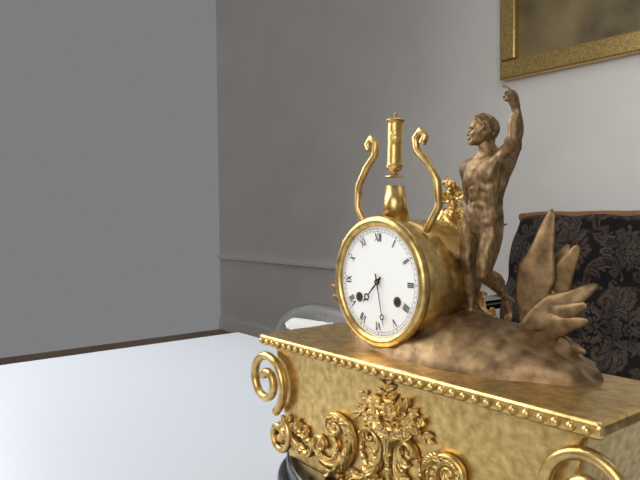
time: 7:28
